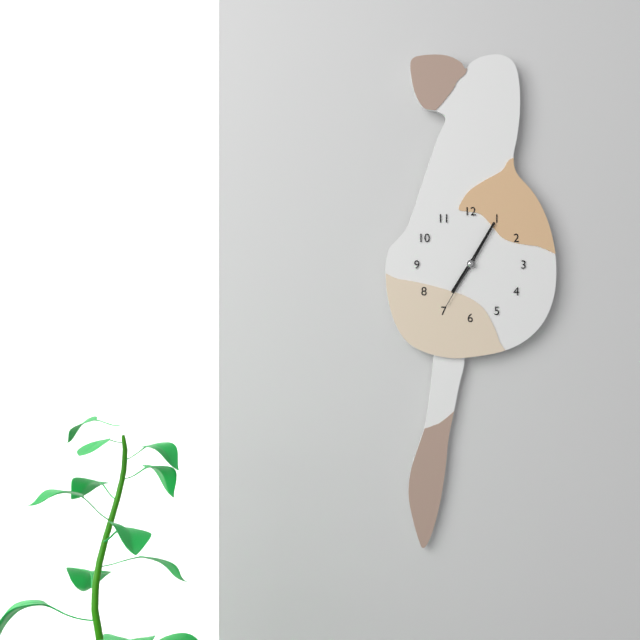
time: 7:05:35
